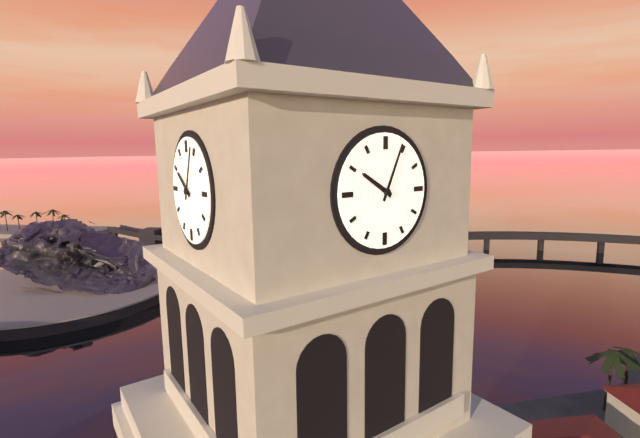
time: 10:04
